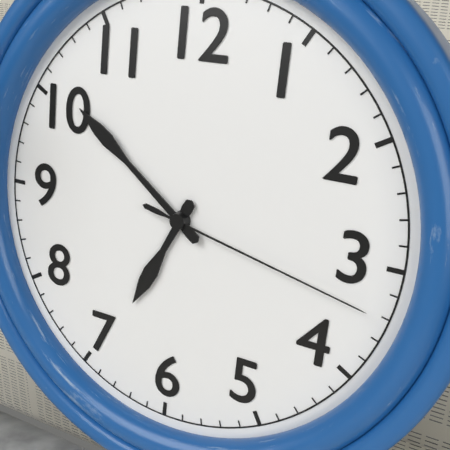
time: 6:51:17
